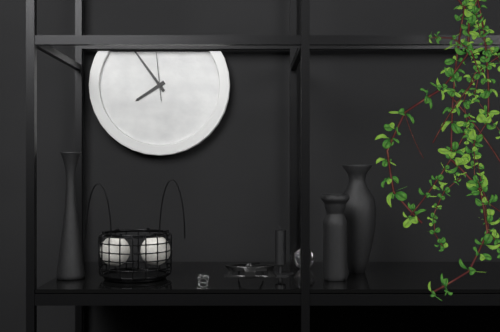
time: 7:54:59
